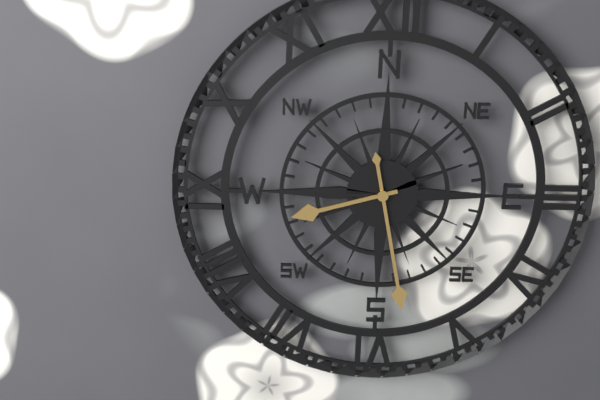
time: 8:28
